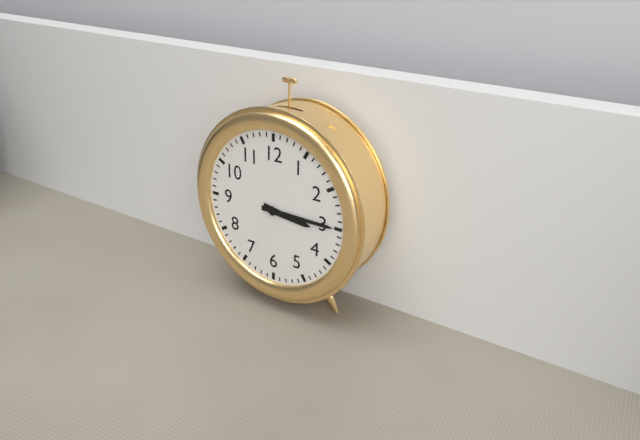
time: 3:15
